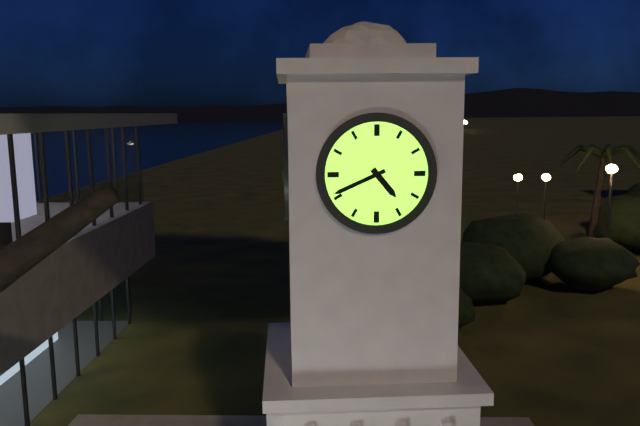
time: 4:41
